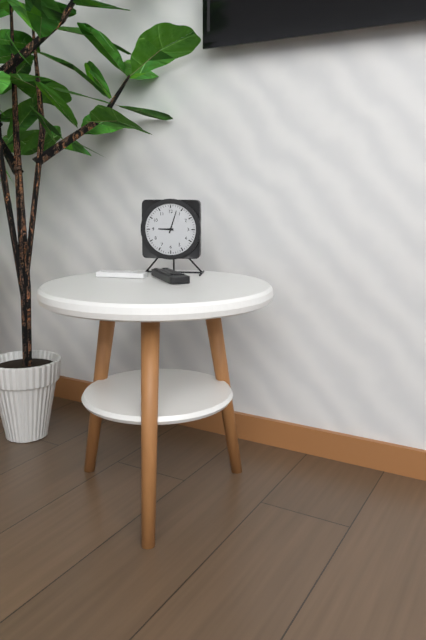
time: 9:03
